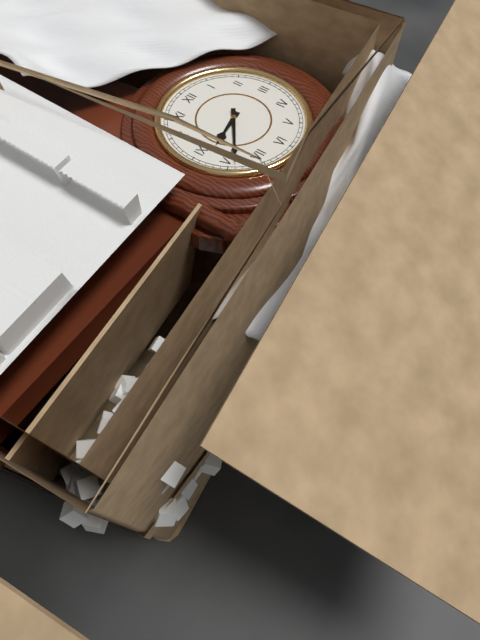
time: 8:39
